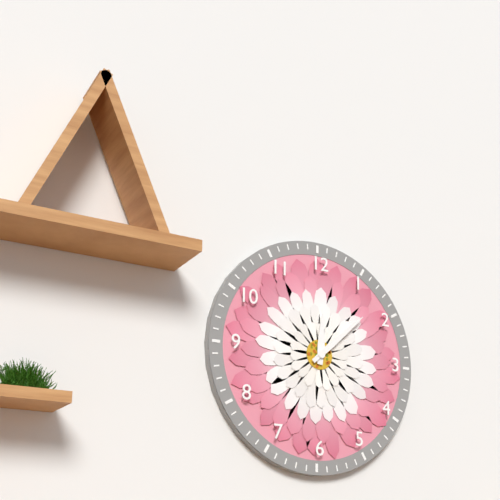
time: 12:08
